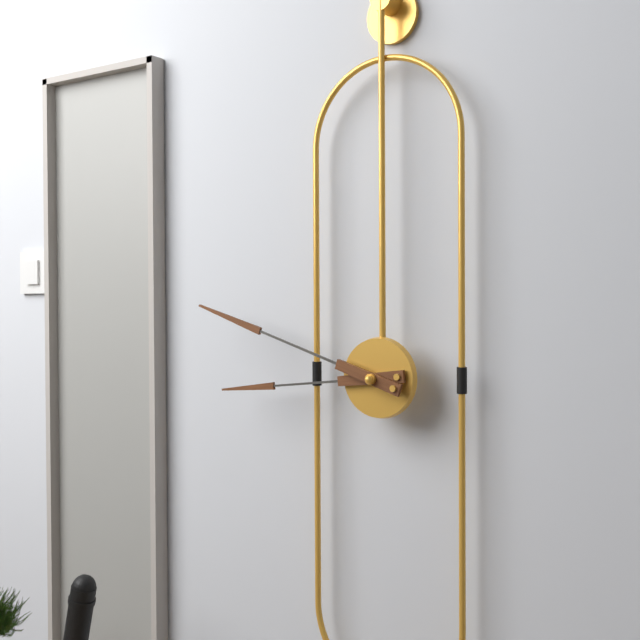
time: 8:48
